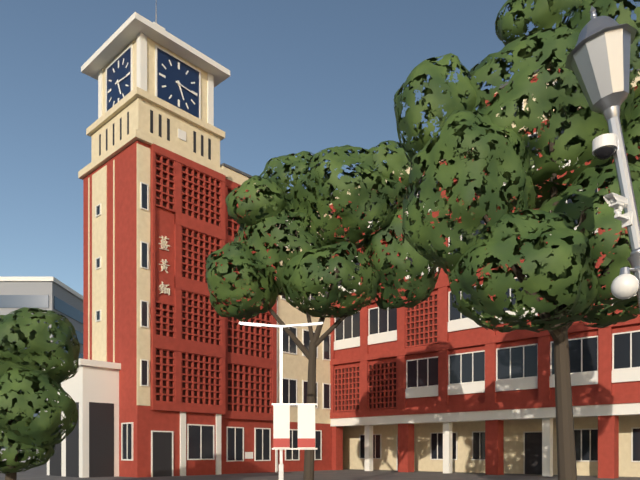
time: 5:16
